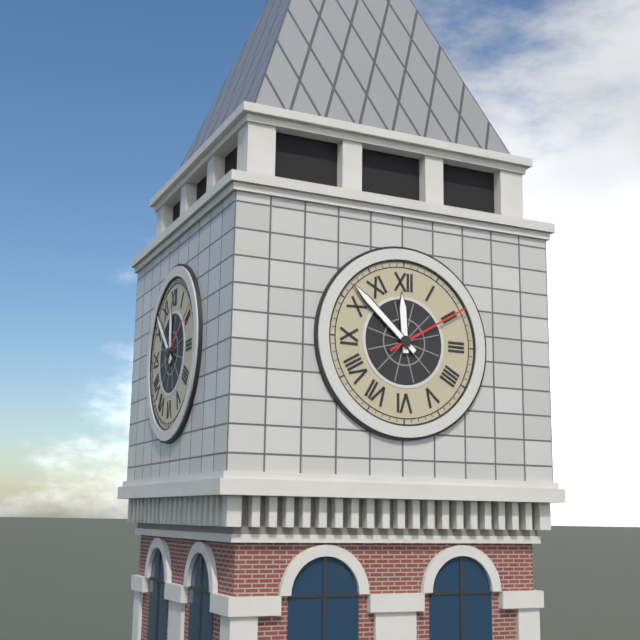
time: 11:52:10
